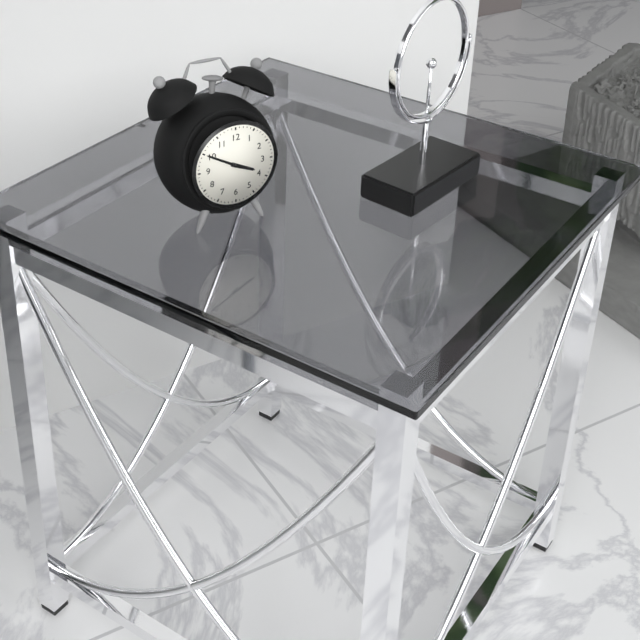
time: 3:50
